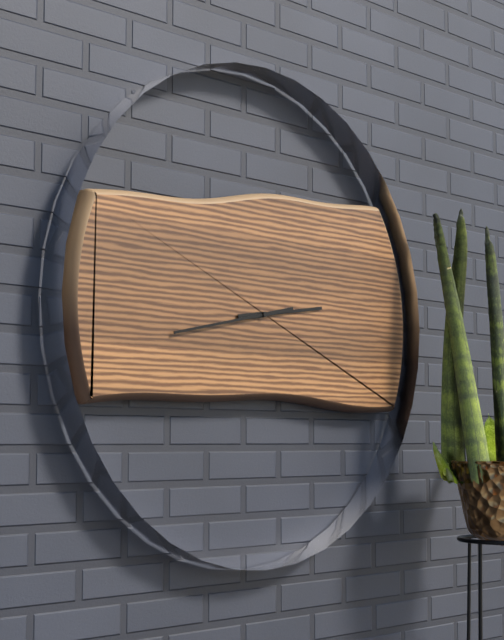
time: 2:43
